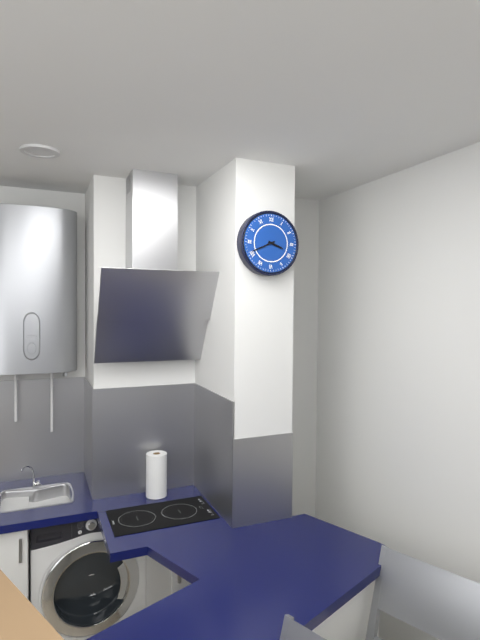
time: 3:41
